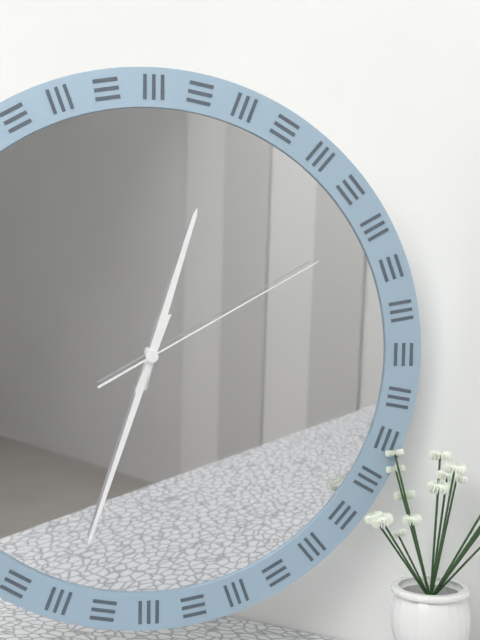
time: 12:33:10
